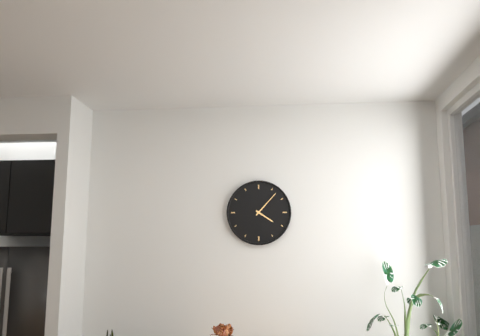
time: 4:07
